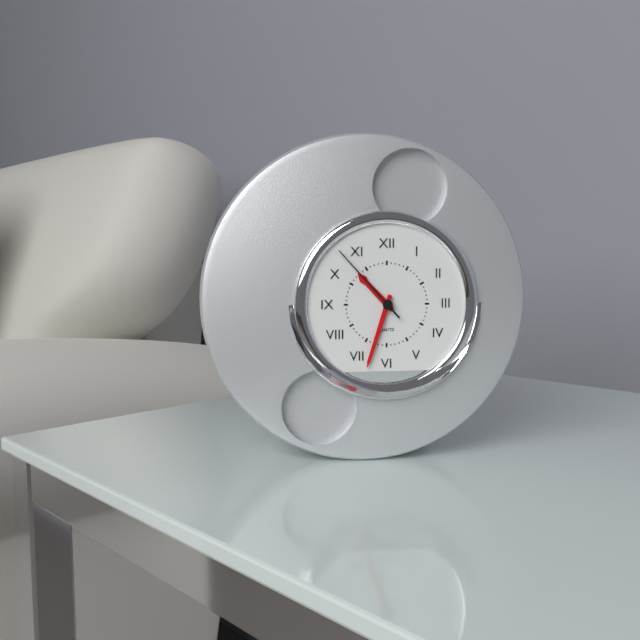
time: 10:33:53
